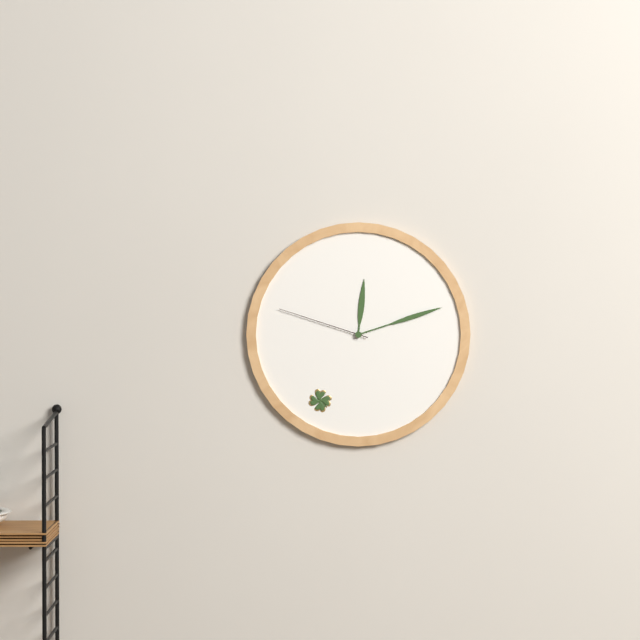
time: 12:12:48
